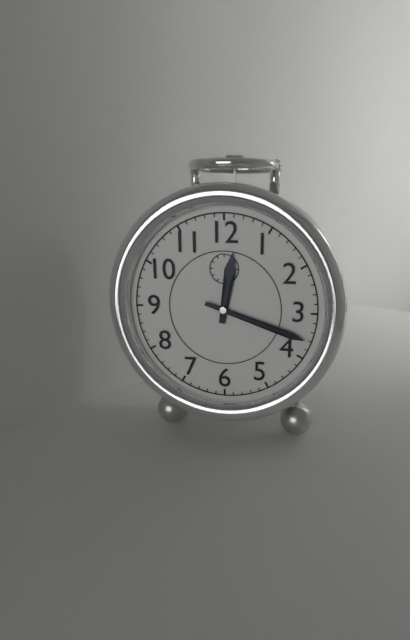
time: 12:18
